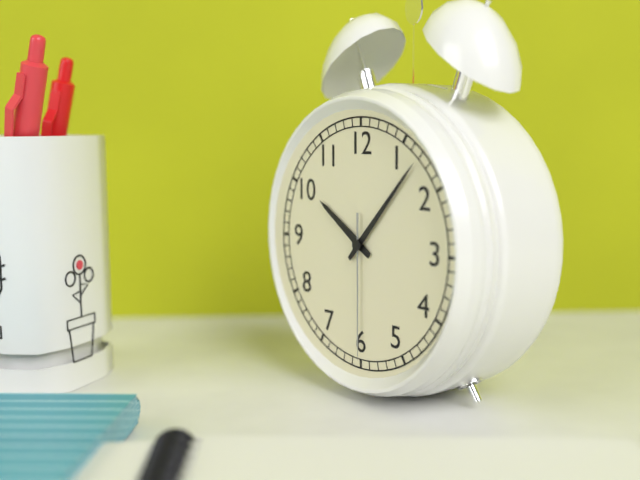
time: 10:07:30
